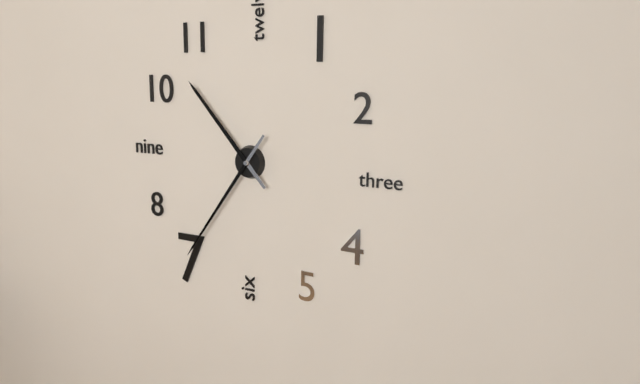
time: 10:36
